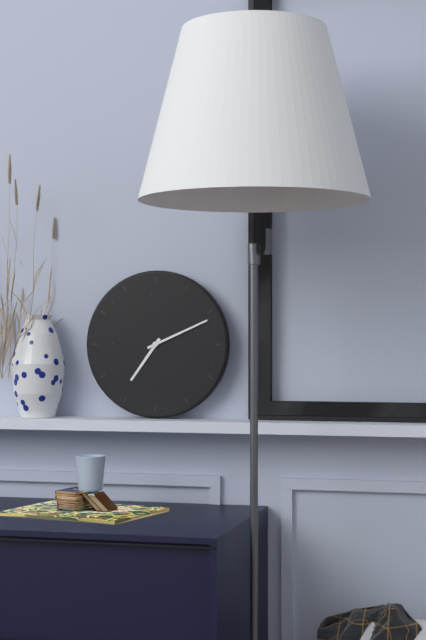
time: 7:11
